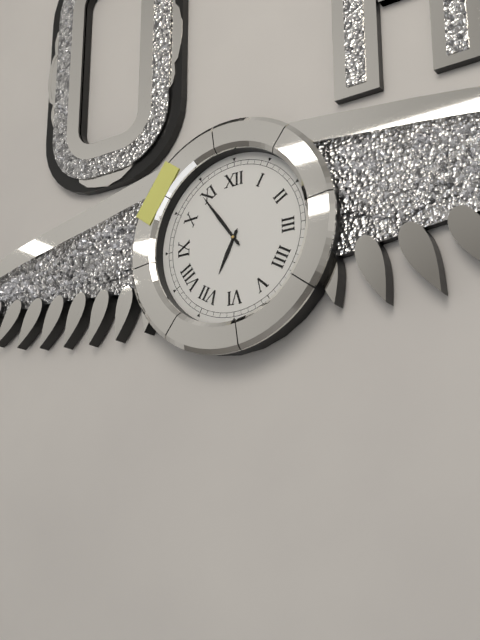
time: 6:54
